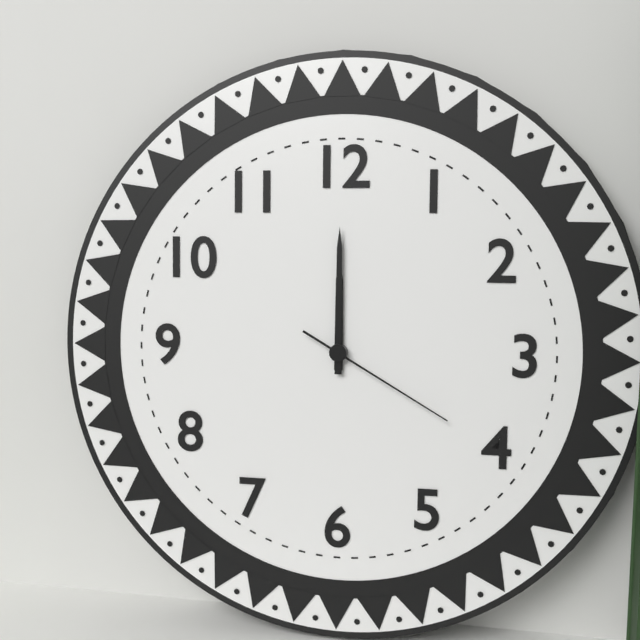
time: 12:00:20
